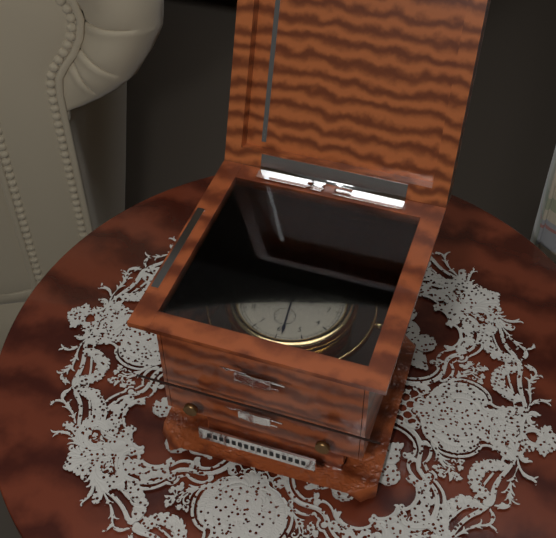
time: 2:29
